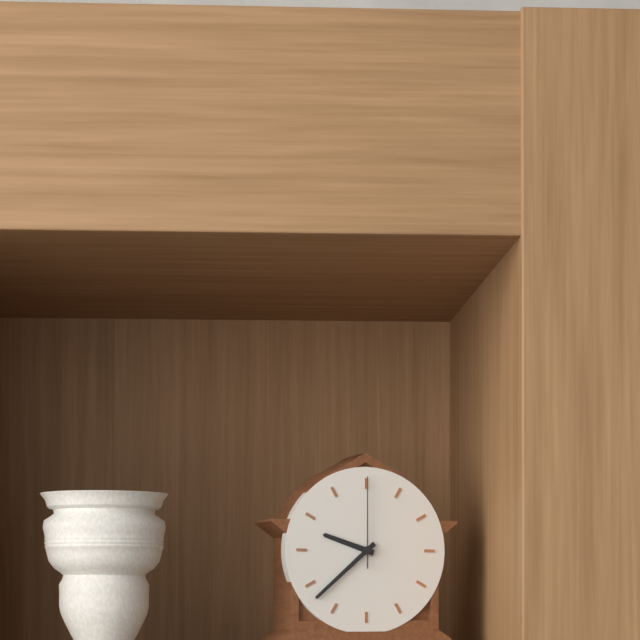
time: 9:38:00
